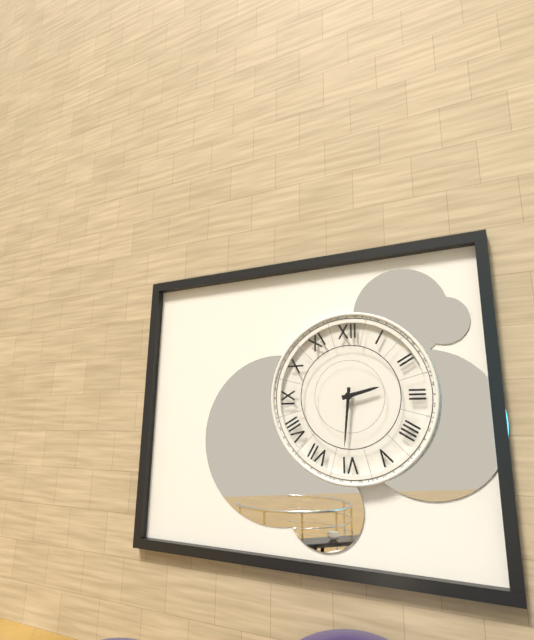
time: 2:31
